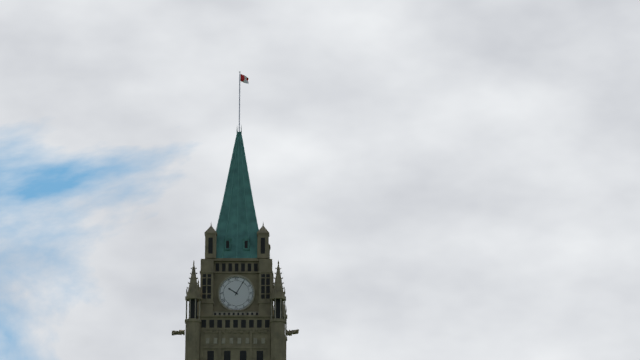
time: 10:05
